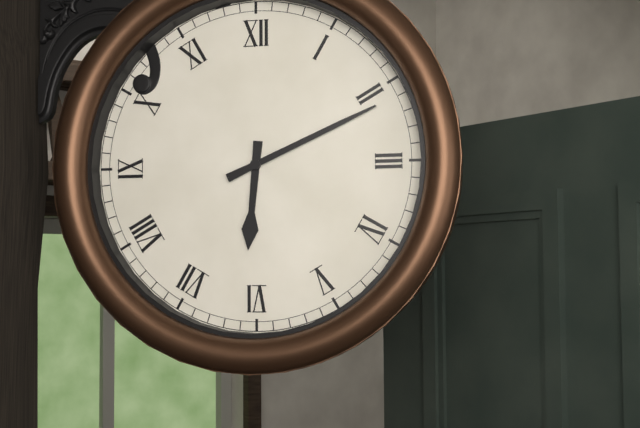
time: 6:11
